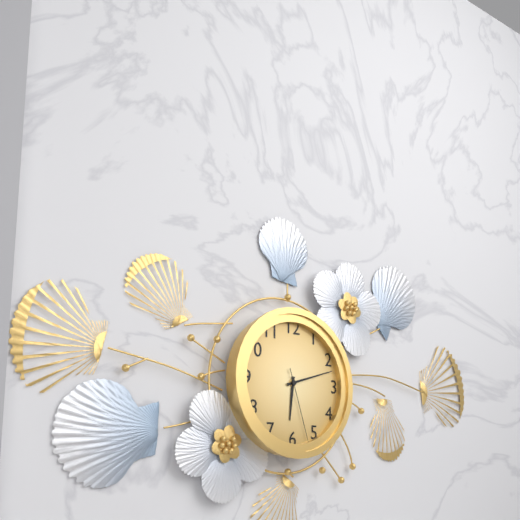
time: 6:12:27
